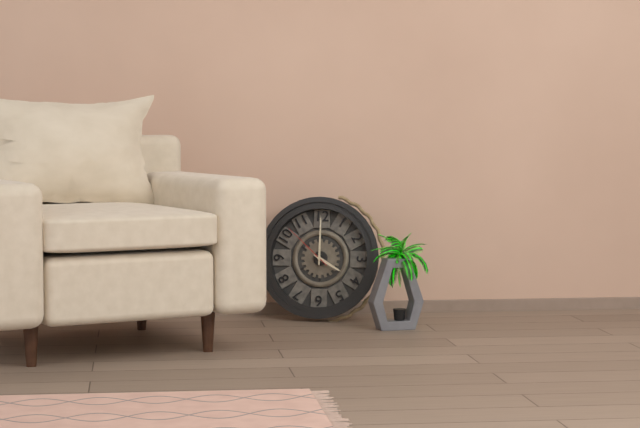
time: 4:00:52
